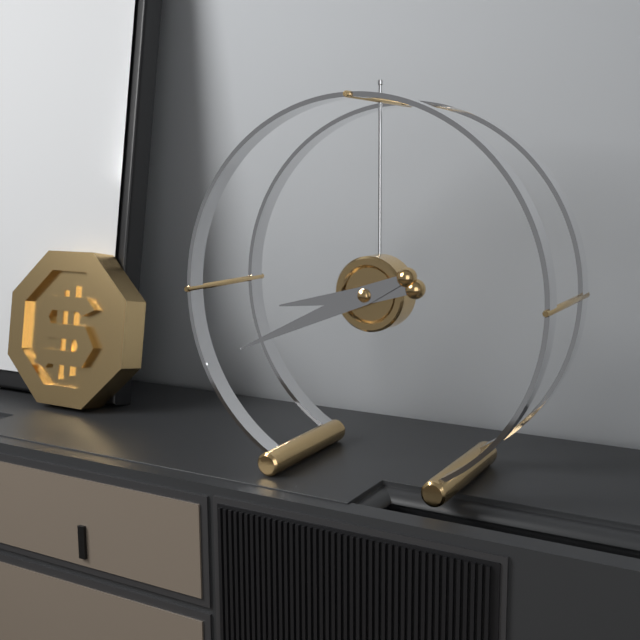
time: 8:41
